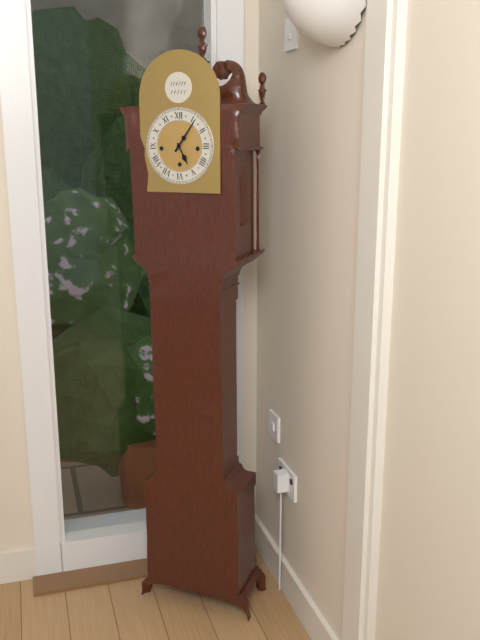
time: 5:06
